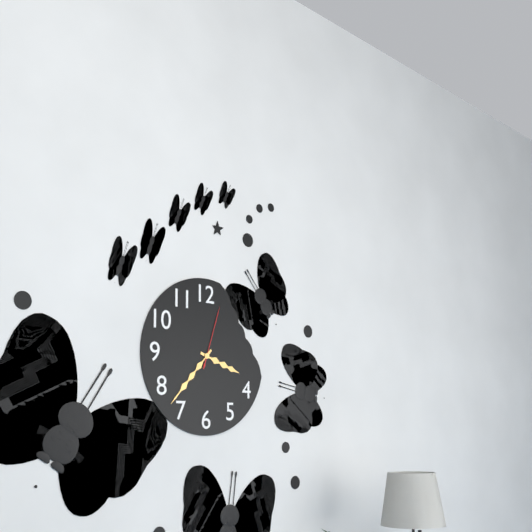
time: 3:37:03
